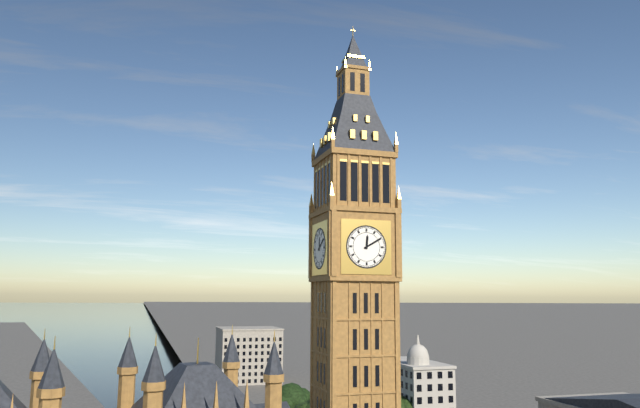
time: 12:10
